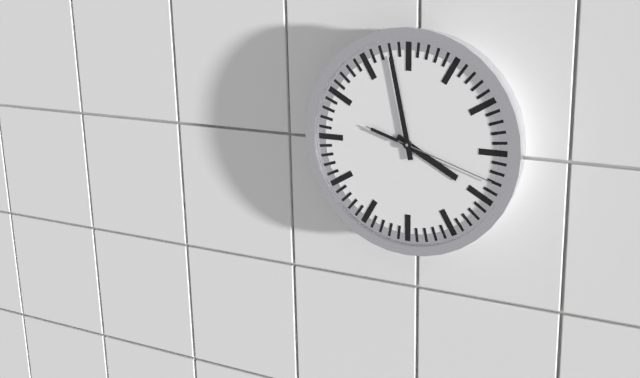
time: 3:58:18
